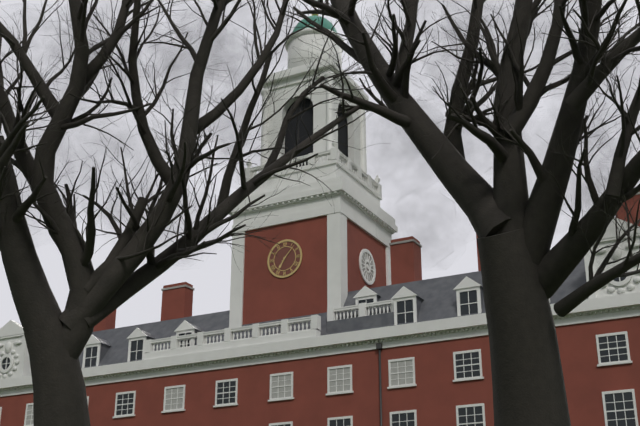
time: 7:07
